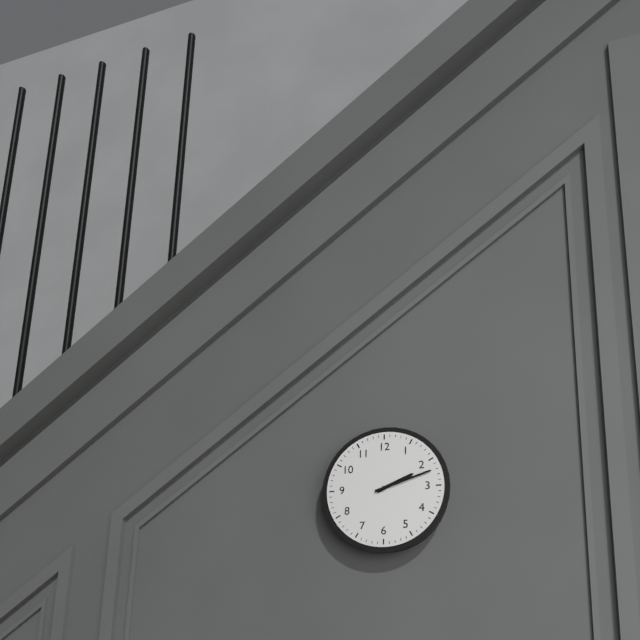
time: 2:12
